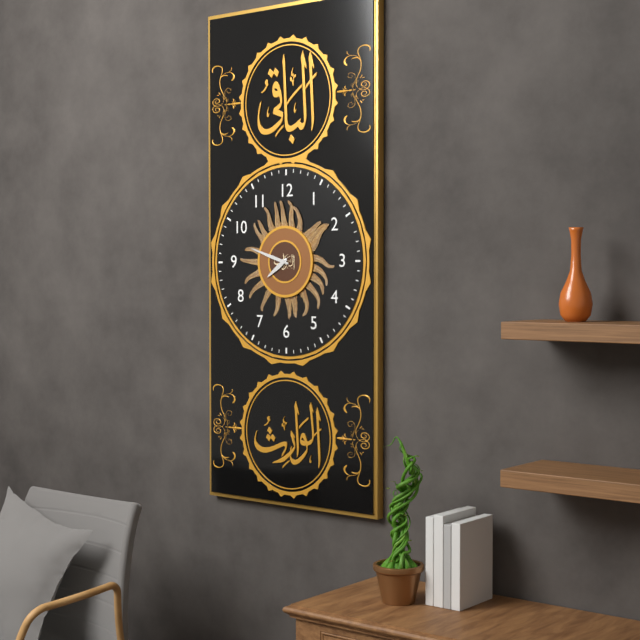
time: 7:48
